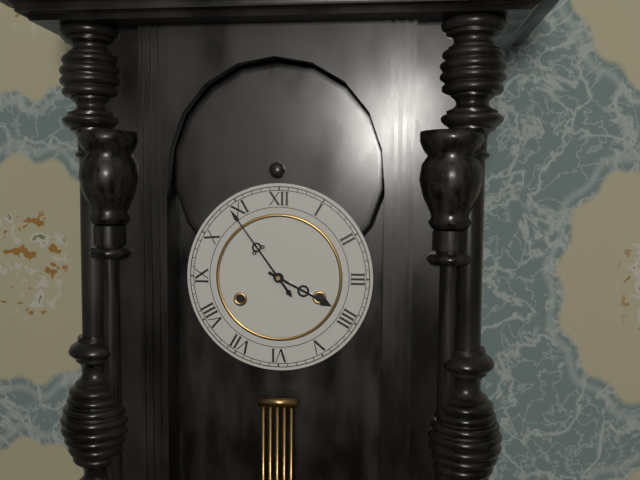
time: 3:54
